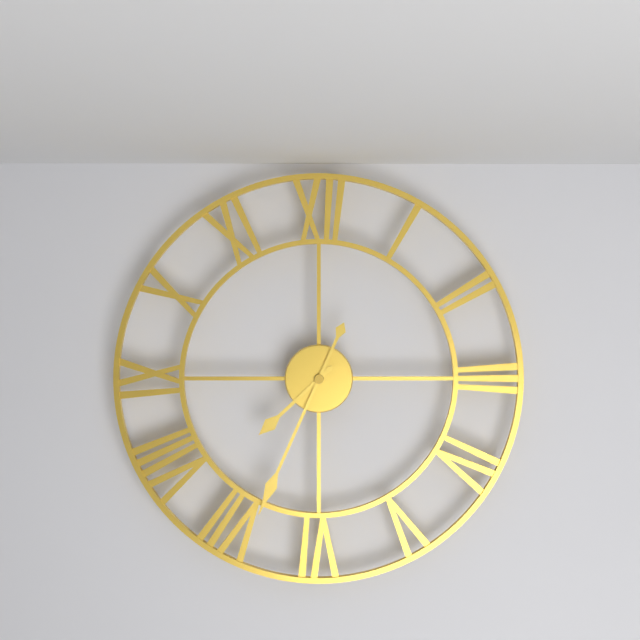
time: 7:34
